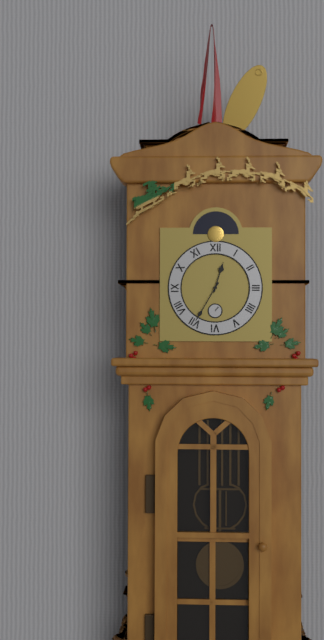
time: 12:35
